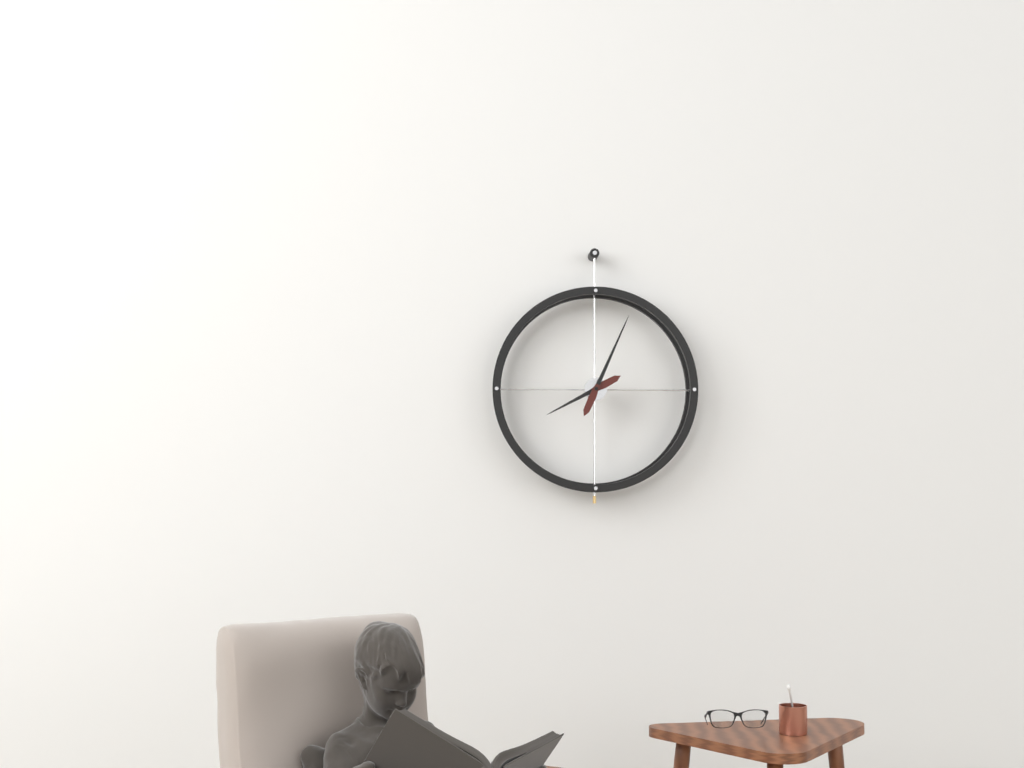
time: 8:04
